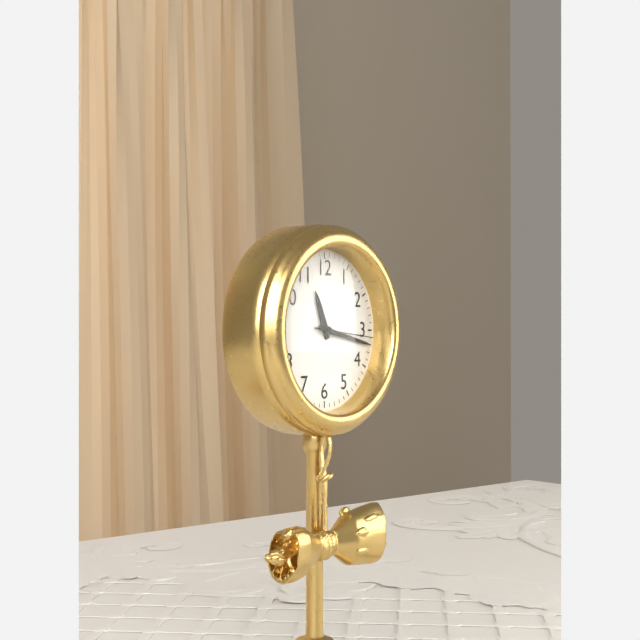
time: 11:17:16
